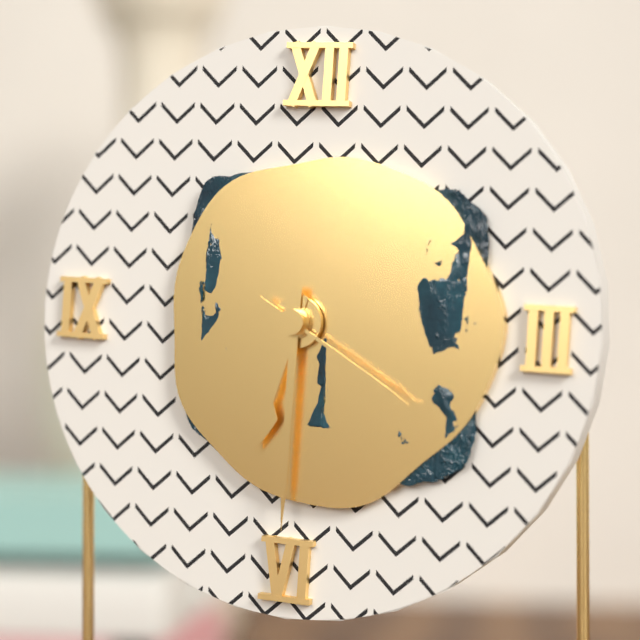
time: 6:30:20
